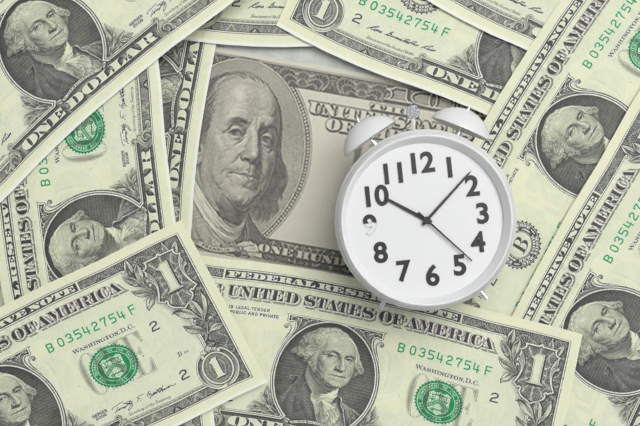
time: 10:08:23
